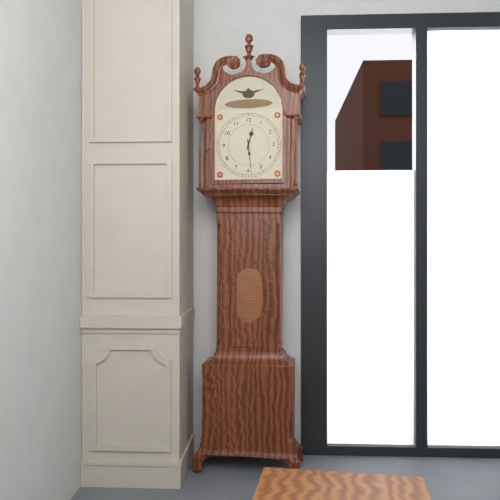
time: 12:29
